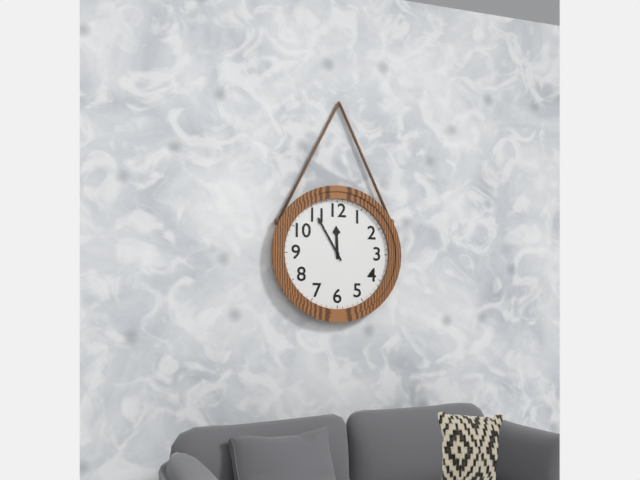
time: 11:55
